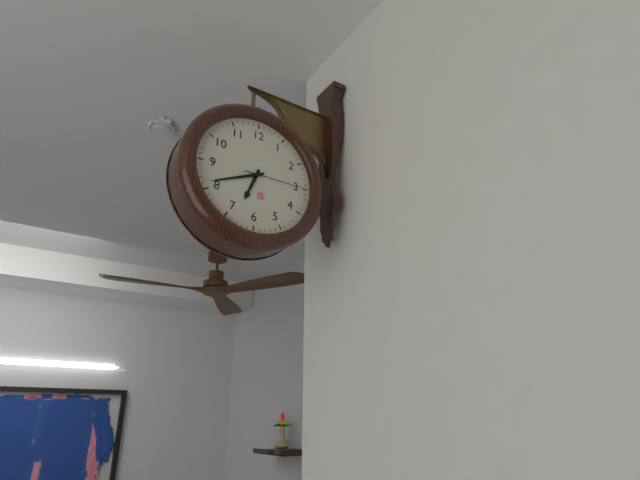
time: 6:41:15
